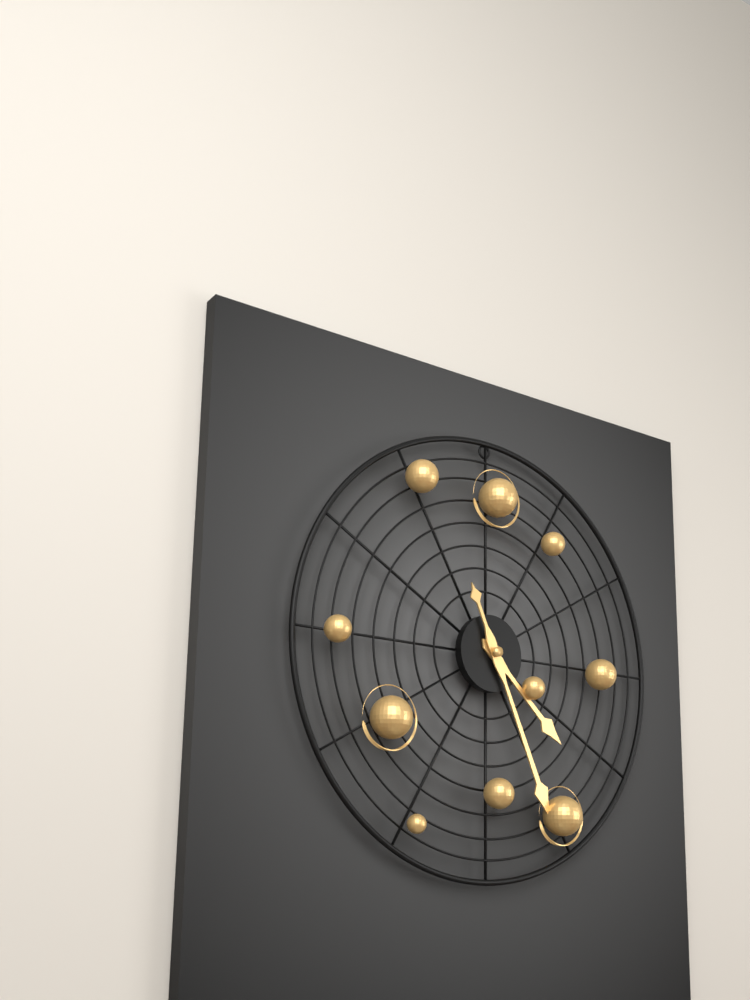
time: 4:26
